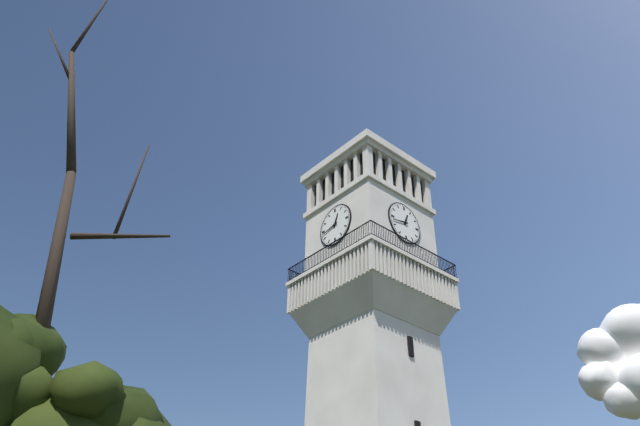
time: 12:43
